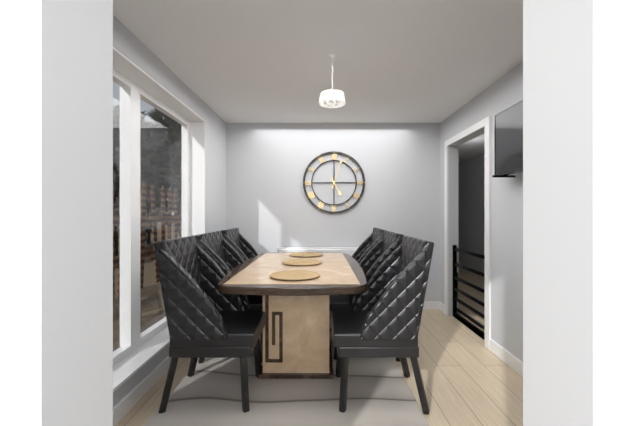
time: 5:03
